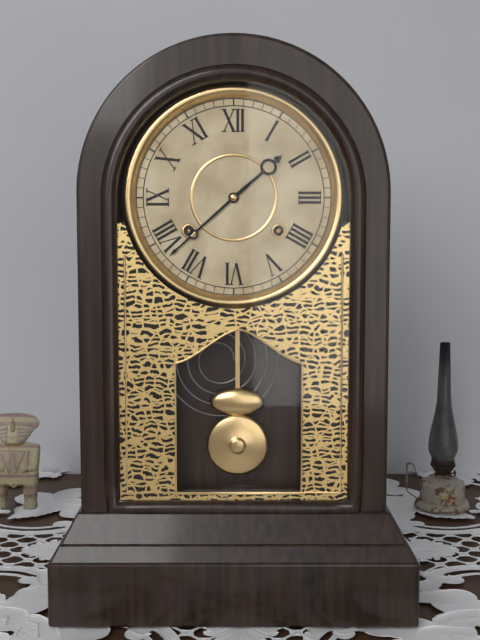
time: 1:38
